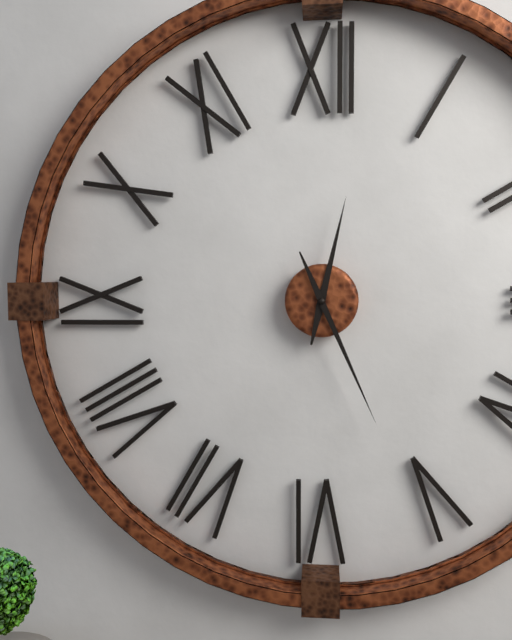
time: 12:26
